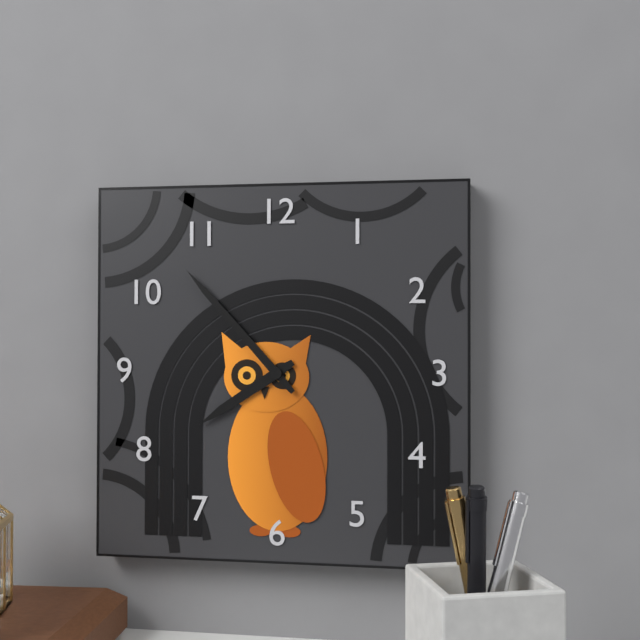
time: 7:53
